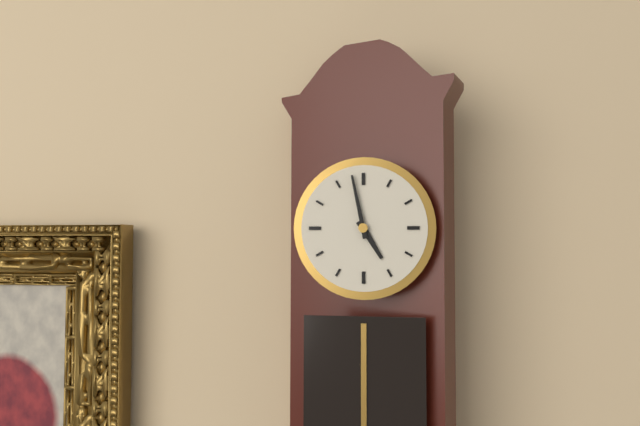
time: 4:58
